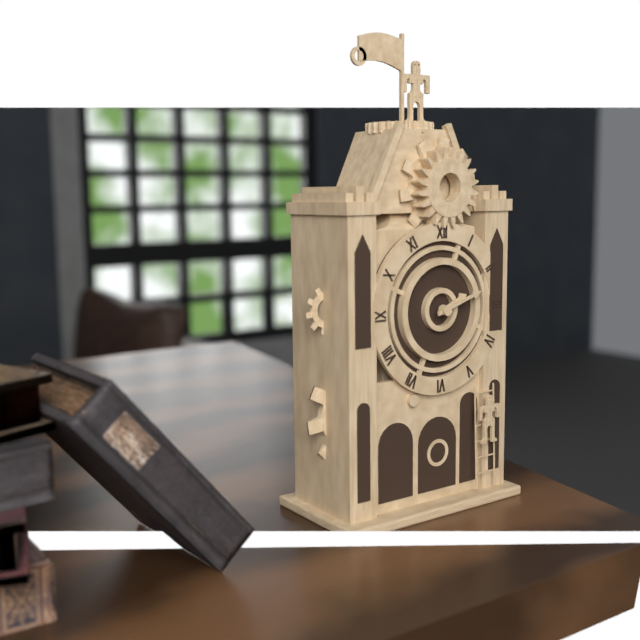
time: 2:12
